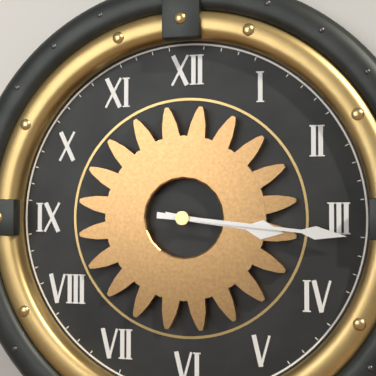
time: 3:16
